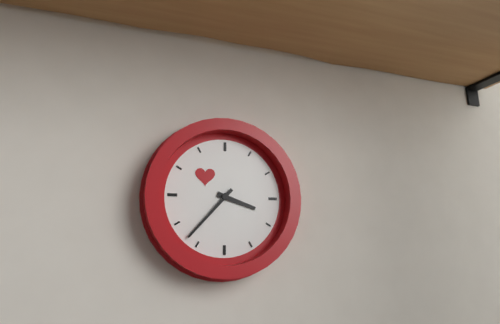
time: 3:37
